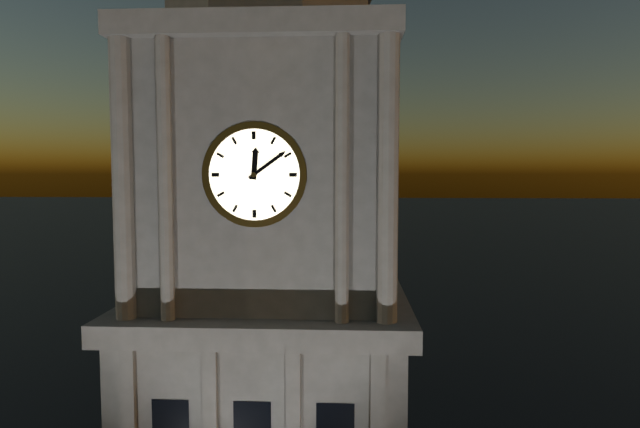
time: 12:09
